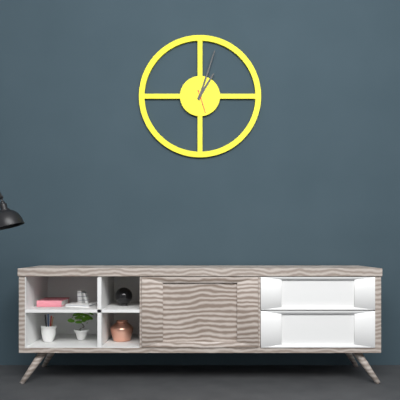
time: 1:03
